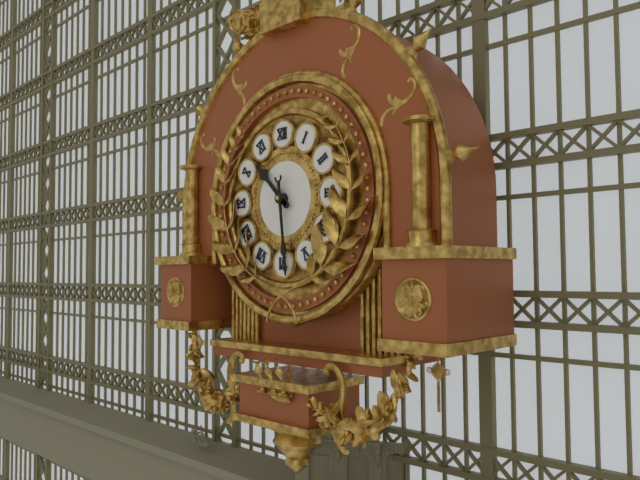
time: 10:29
